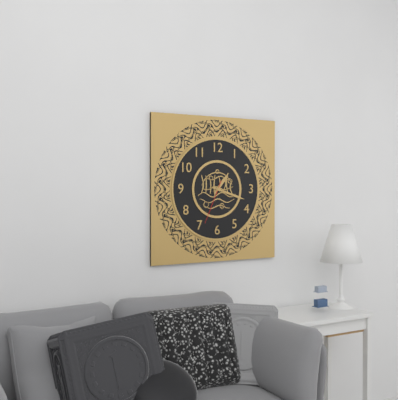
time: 1:18
